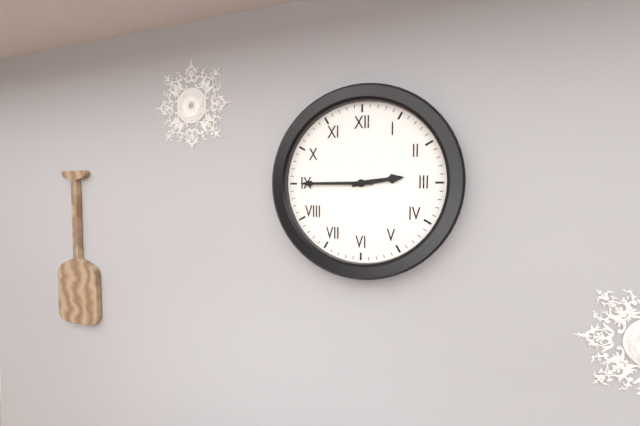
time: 2:45
